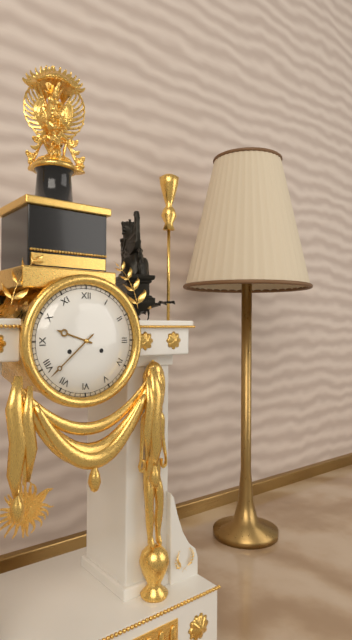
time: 9:38
